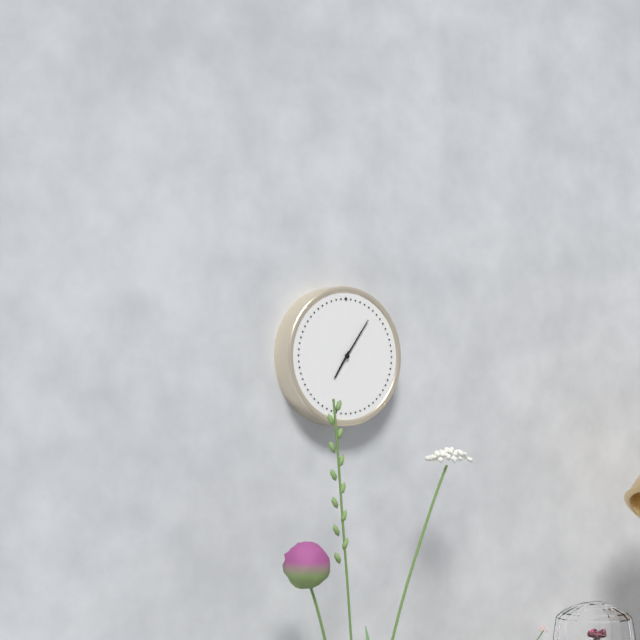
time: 7:06
